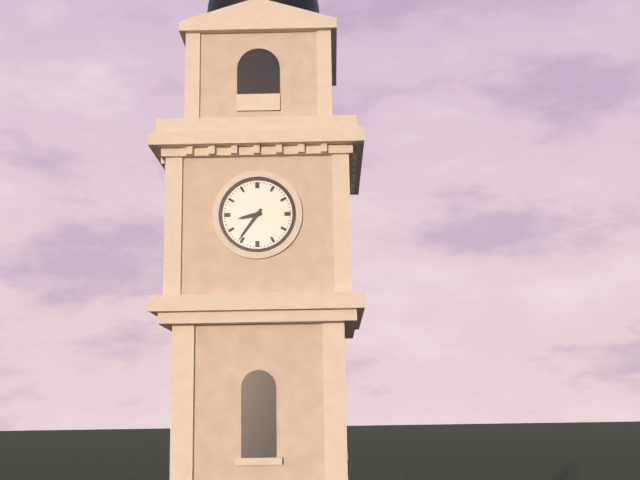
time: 8:36
